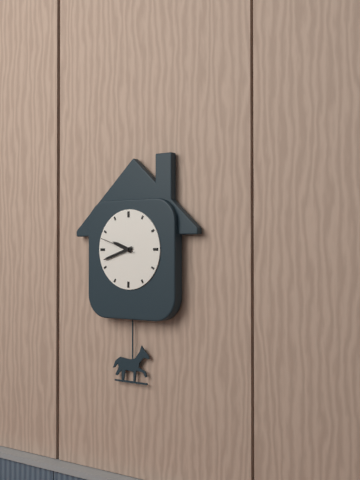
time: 9:42
